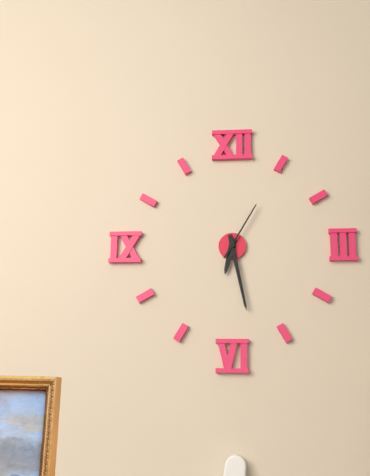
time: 6:28:05
